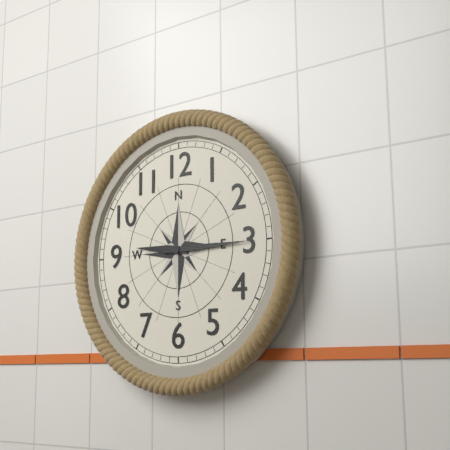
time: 9:15
